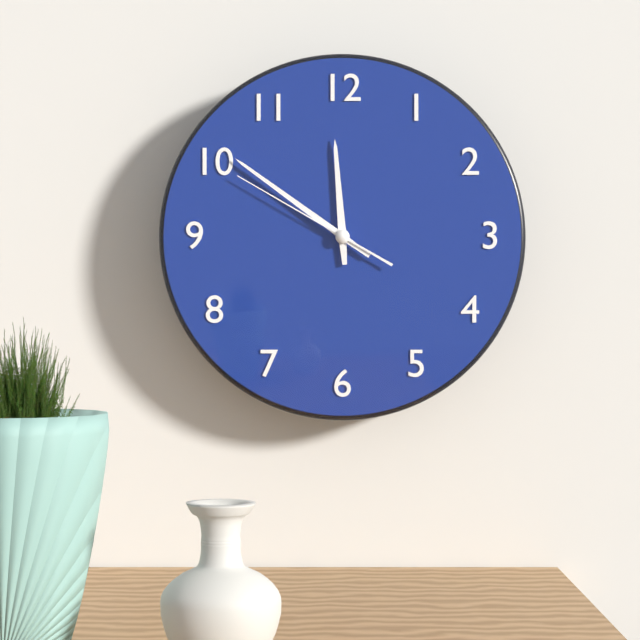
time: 11:51:50
